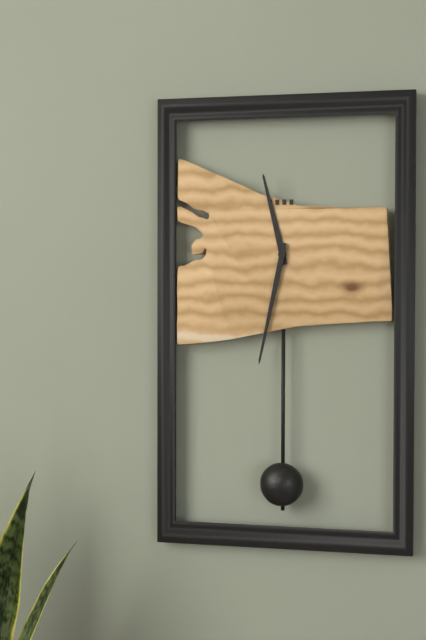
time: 11:32
